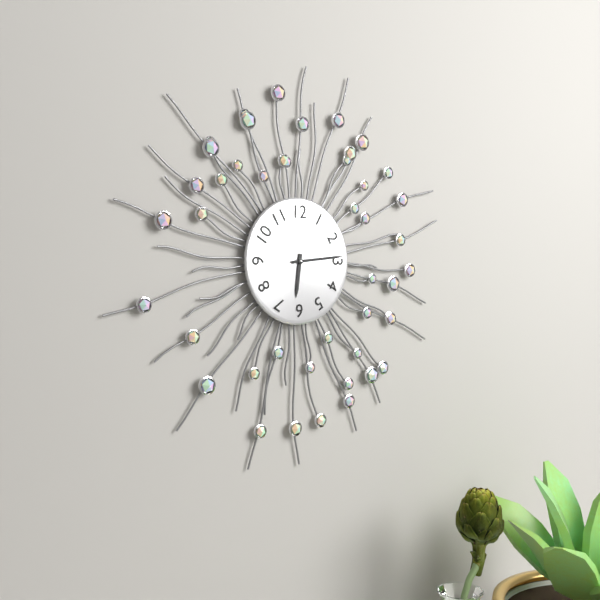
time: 6:14
